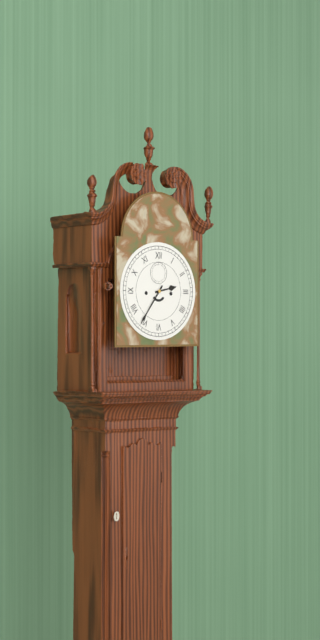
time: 2:36
